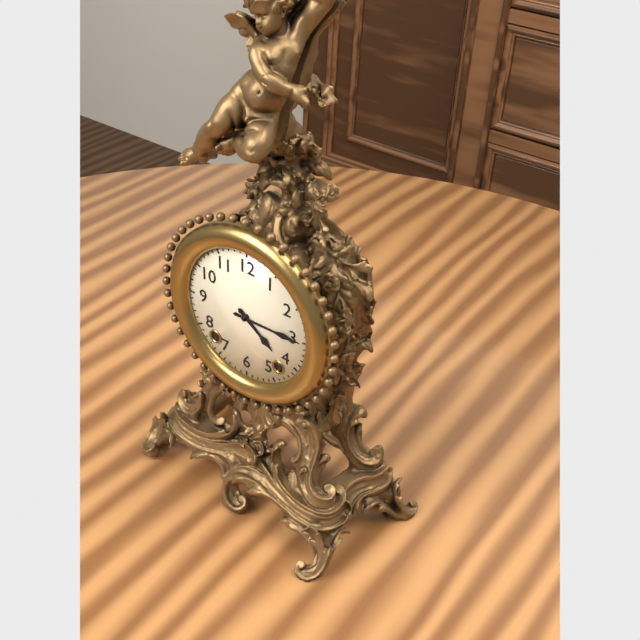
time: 4:15
